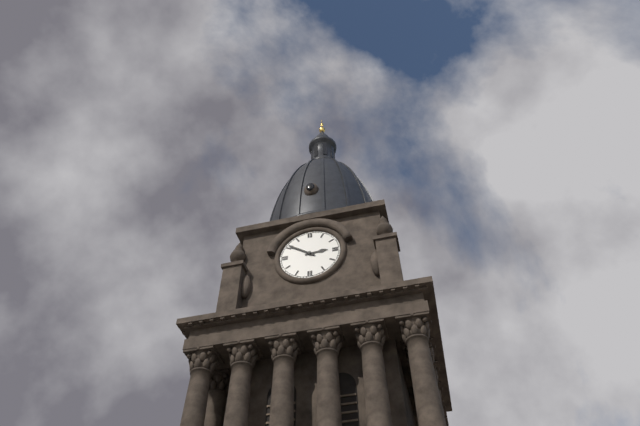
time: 2:51
